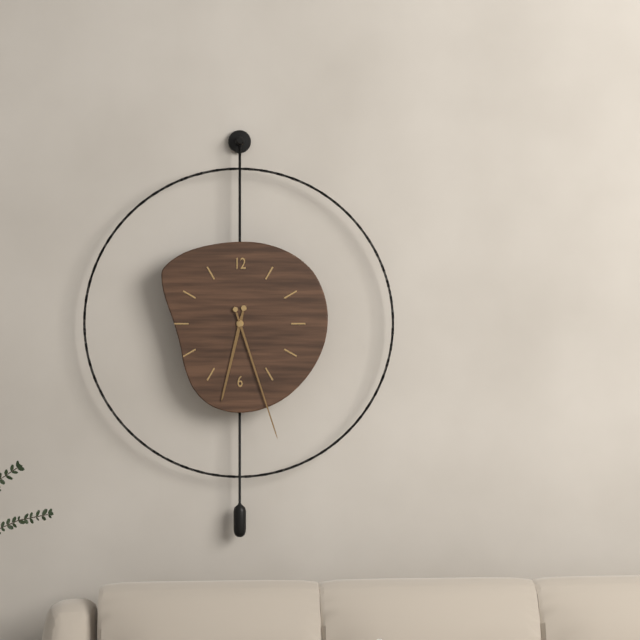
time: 6:27
